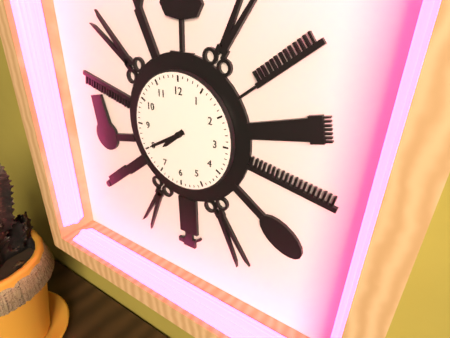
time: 7:40
